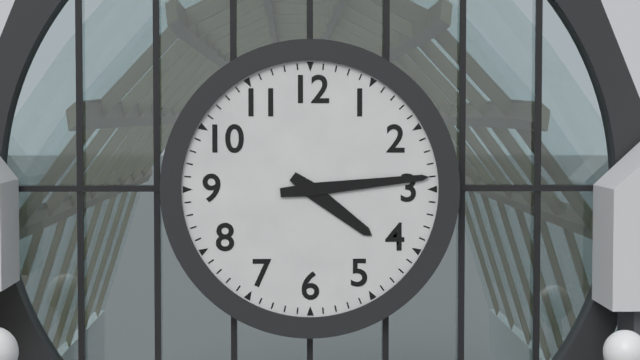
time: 4:14
